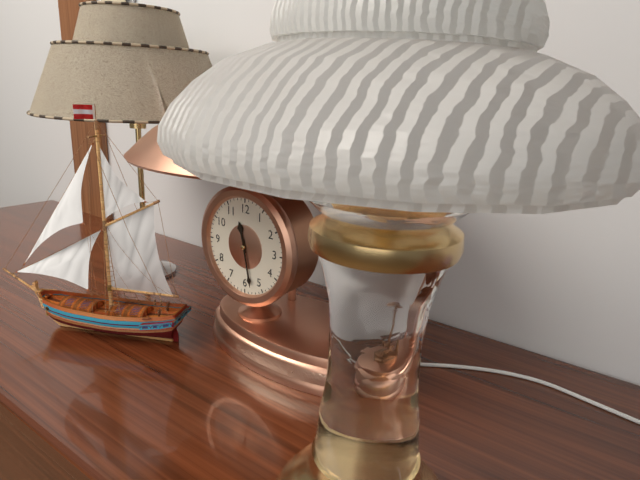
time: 11:28
